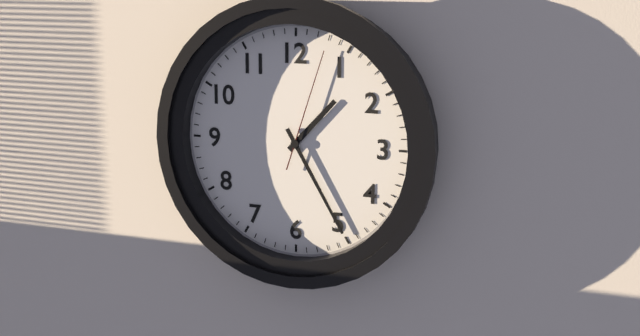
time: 1:25:03
